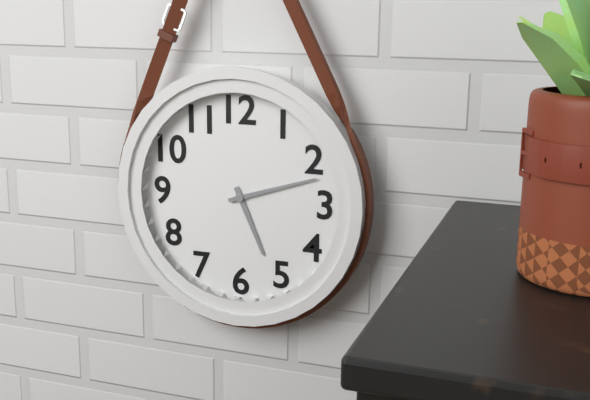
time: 5:12
